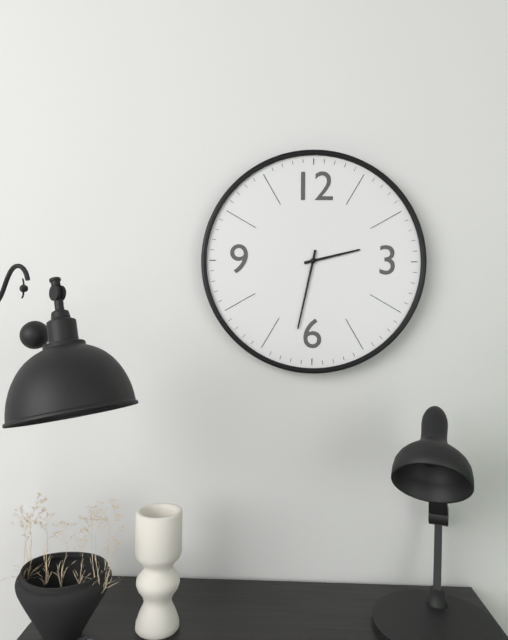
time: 2:32
